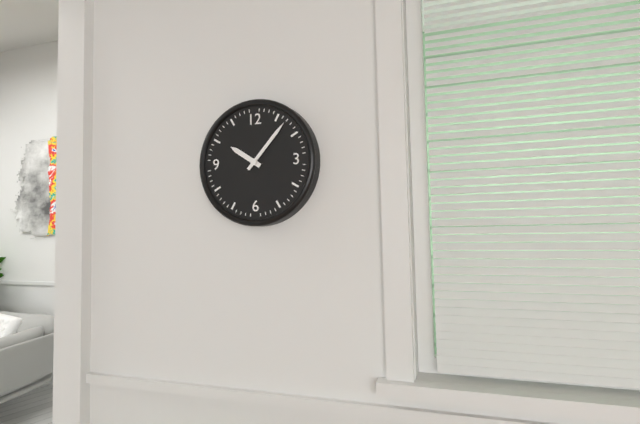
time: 10:07
